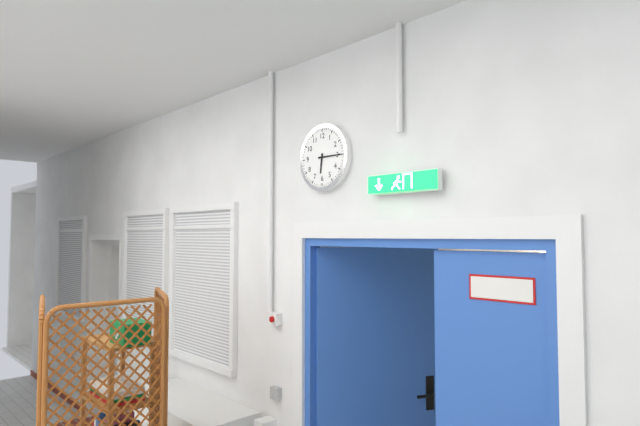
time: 6:15
